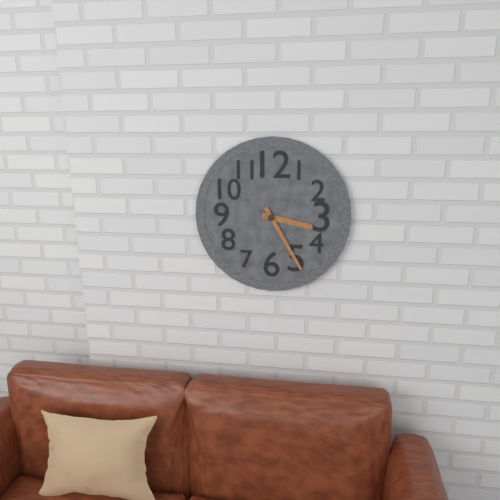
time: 3:25
